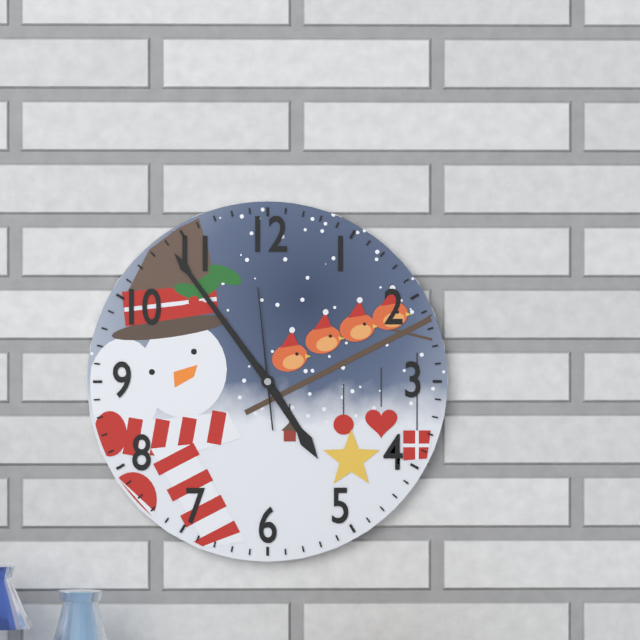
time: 4:54:59
